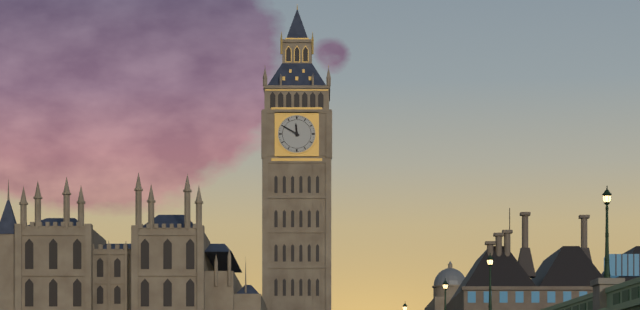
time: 11:50
